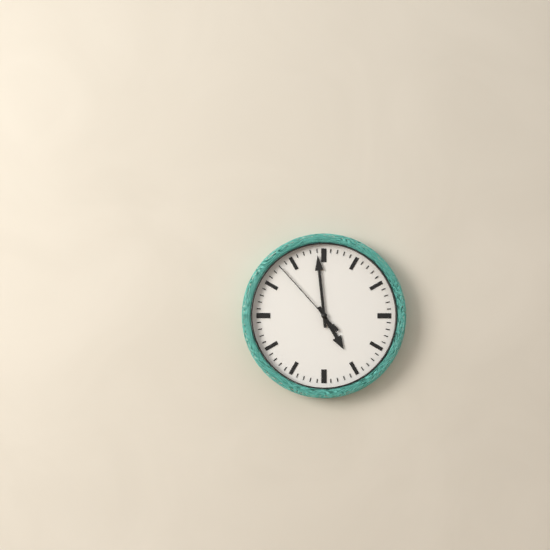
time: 4:59:53
